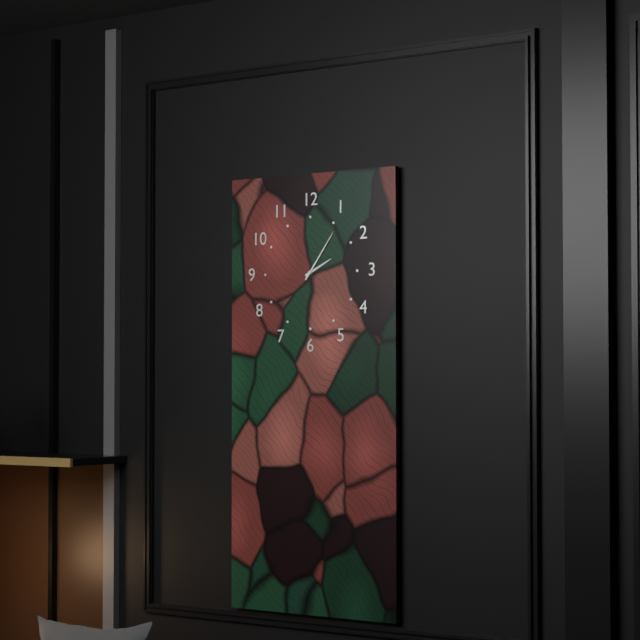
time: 2:06
